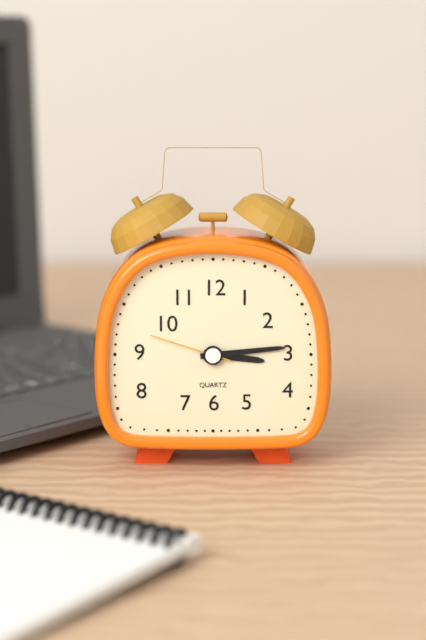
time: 3:14:48
